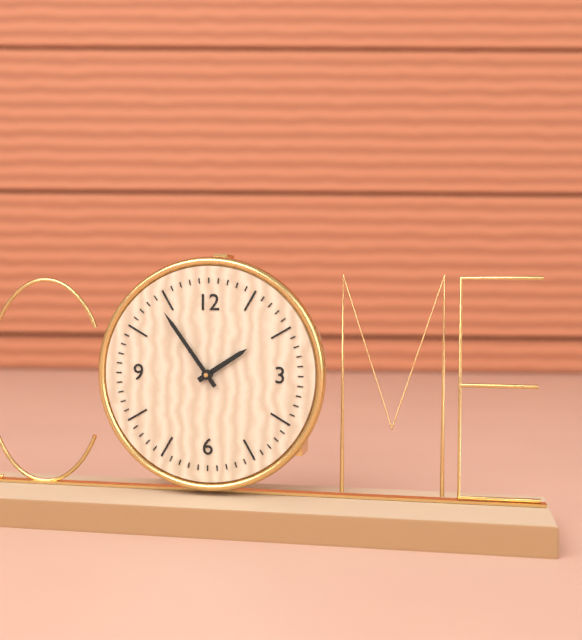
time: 1:54
